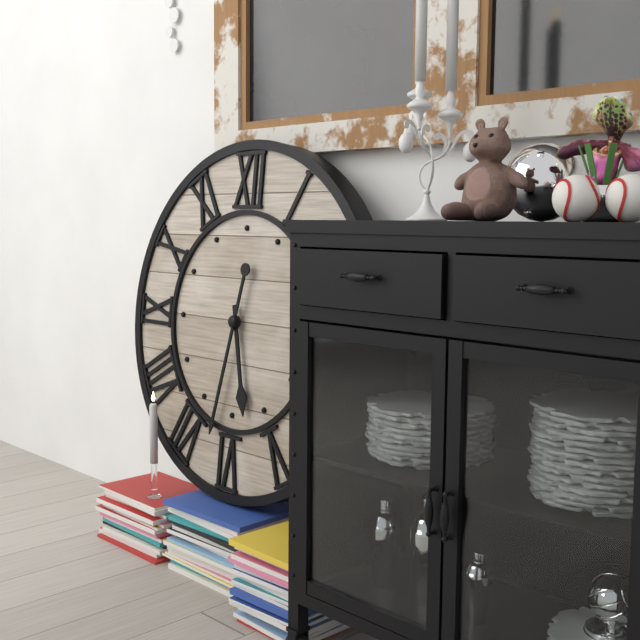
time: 5:32
